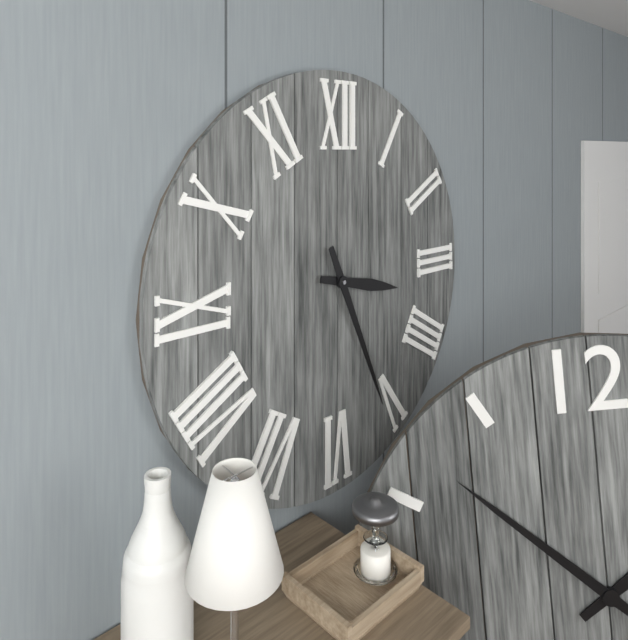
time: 3:26
